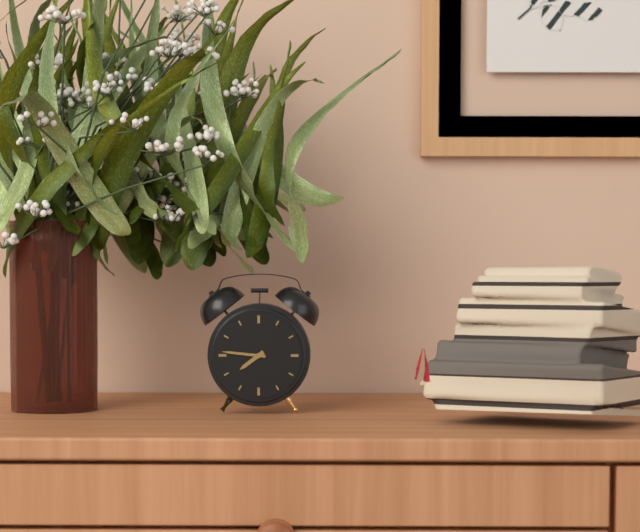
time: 7:46
